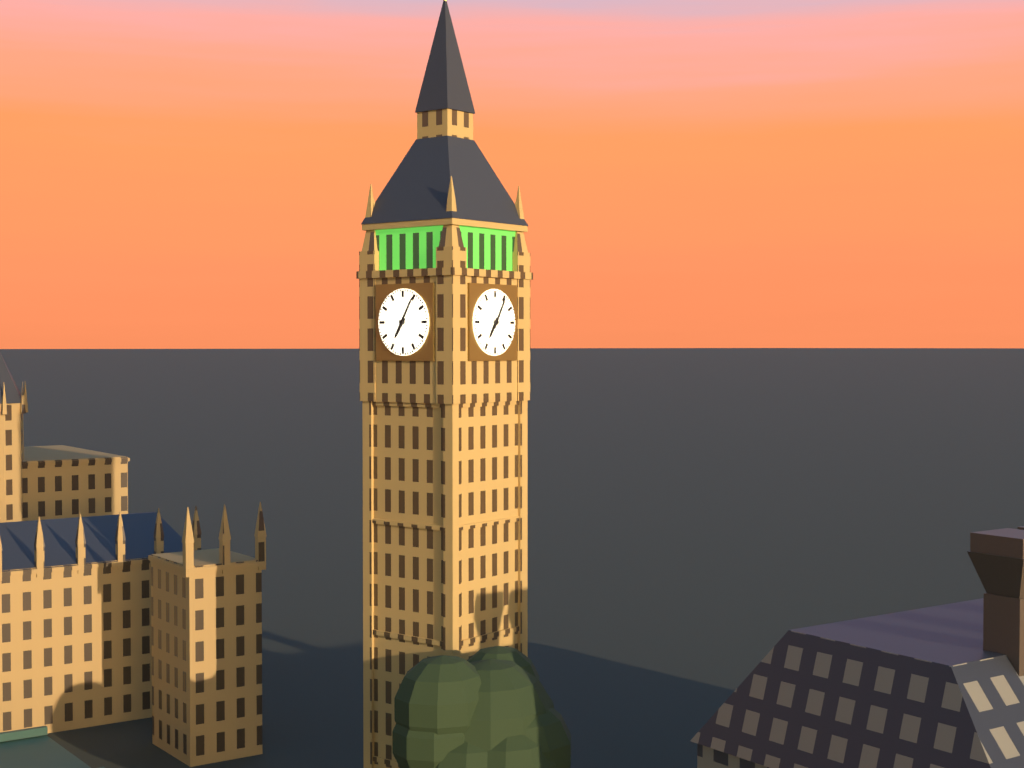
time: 7:05
